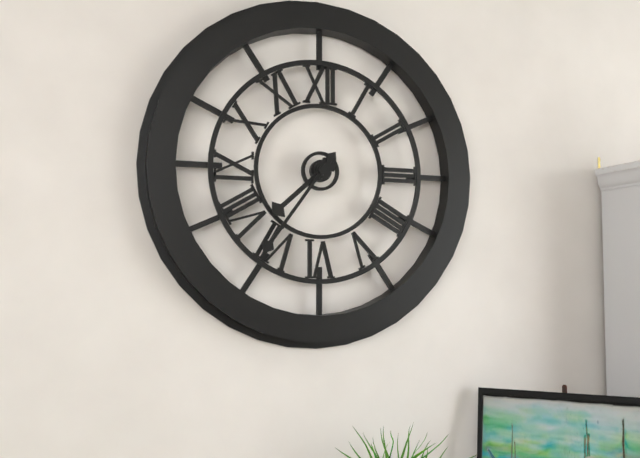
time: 7:36
